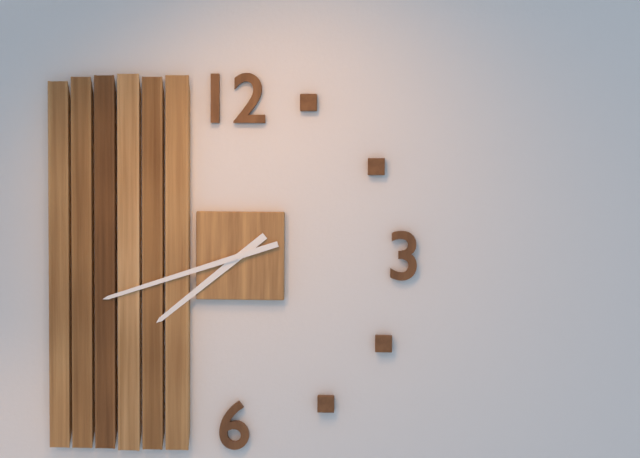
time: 7:42
